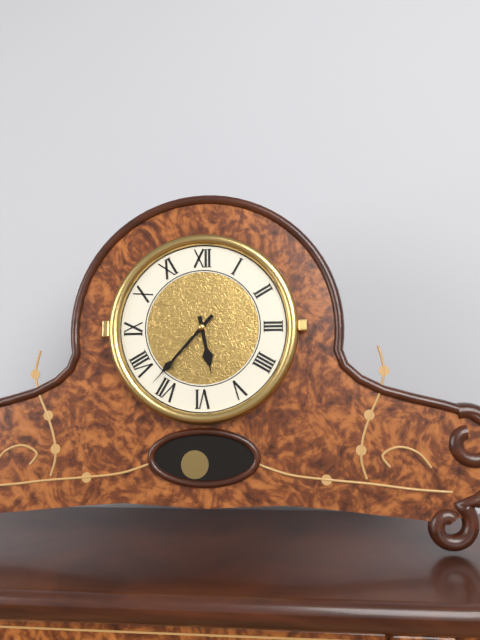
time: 5:37
